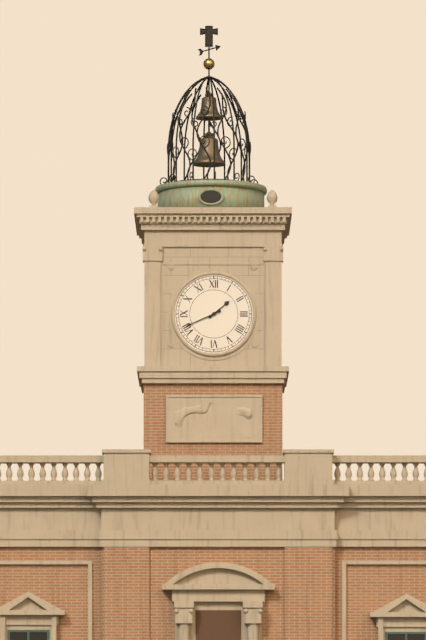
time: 1:41
